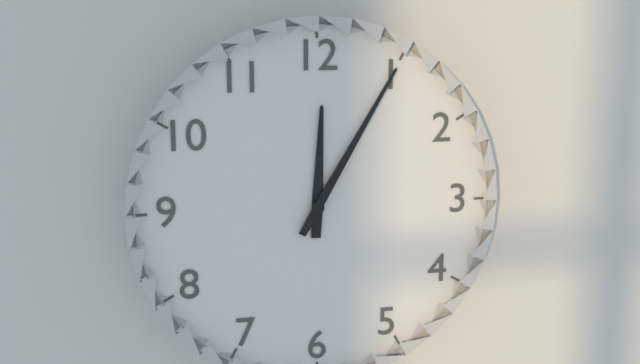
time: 12:05
